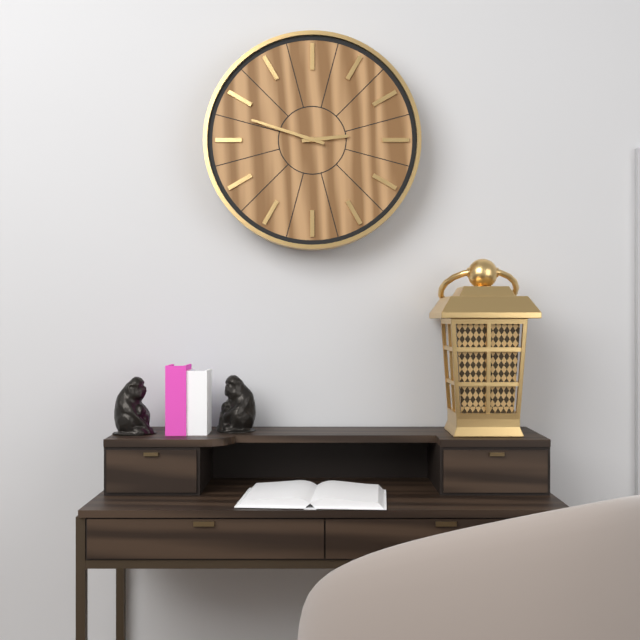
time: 2:48
